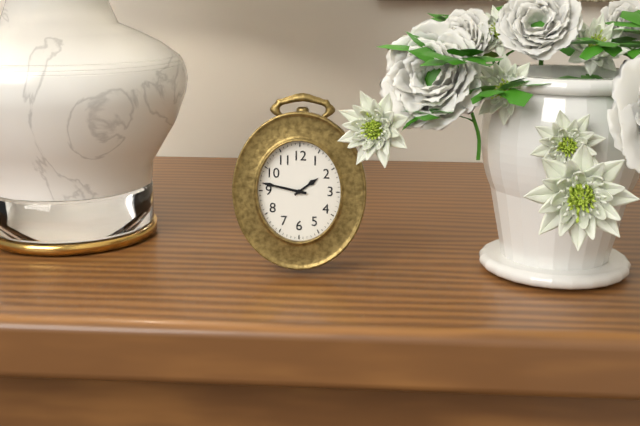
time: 1:47
